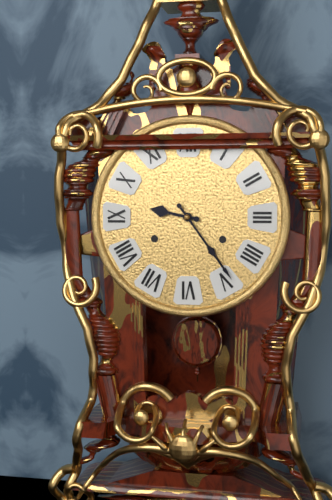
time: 9:24
